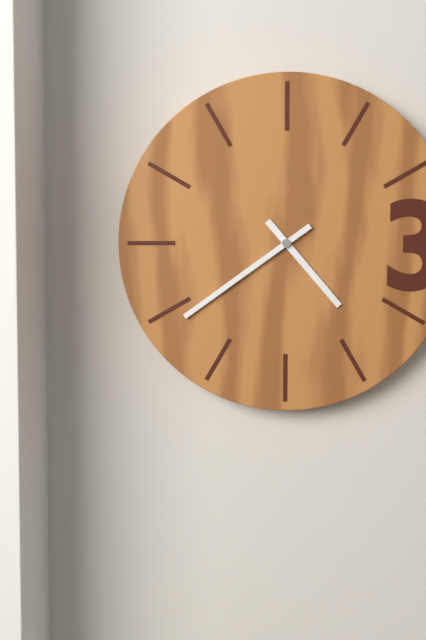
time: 4:39
